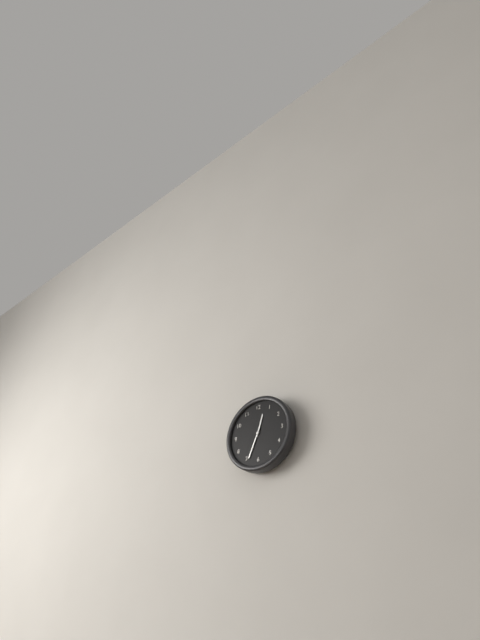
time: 12:34
